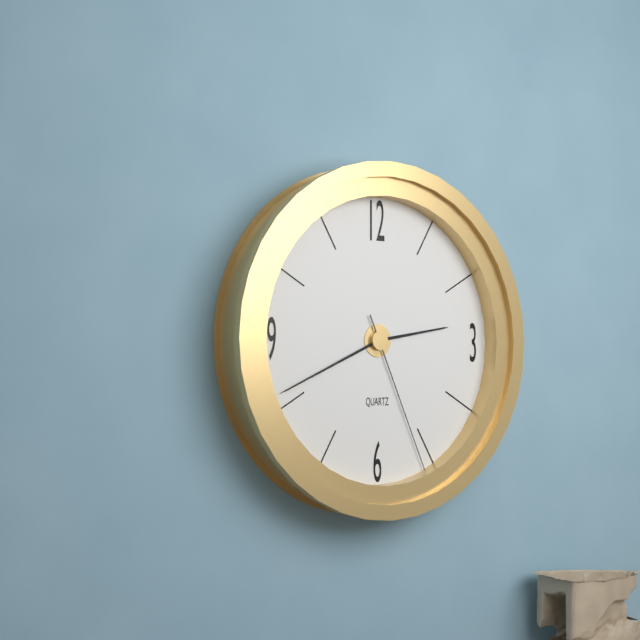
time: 2:41:26
